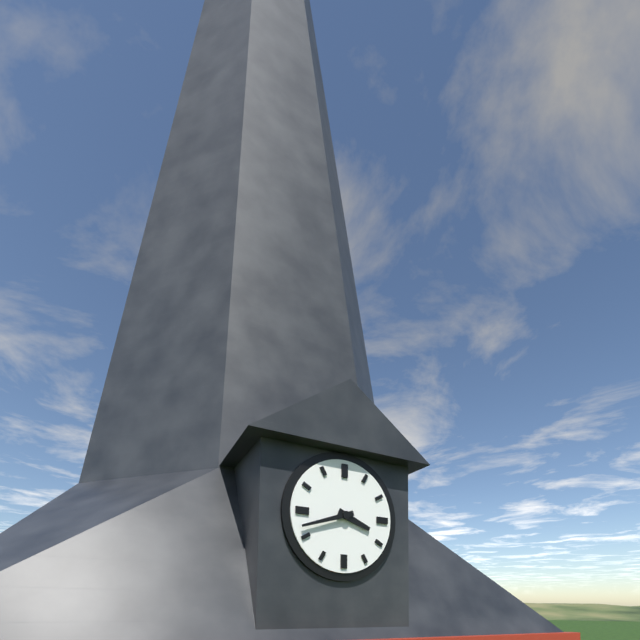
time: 3:42
